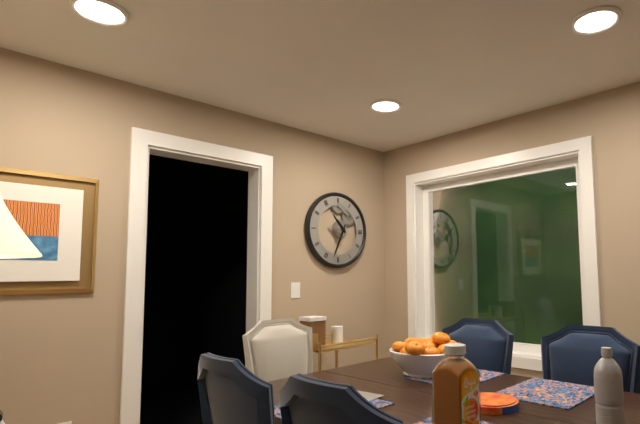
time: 10:34
